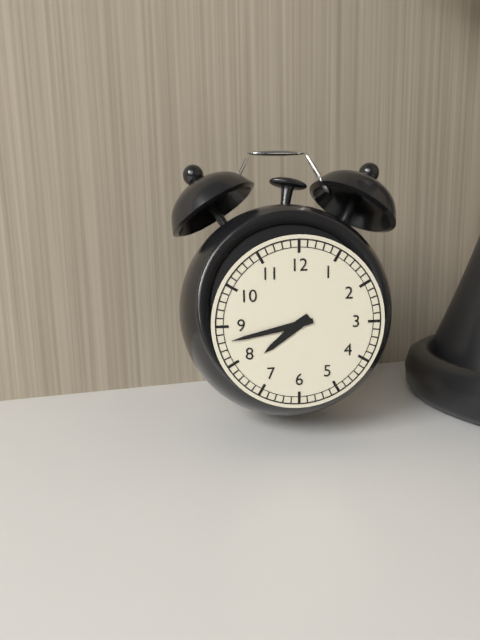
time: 7:43
